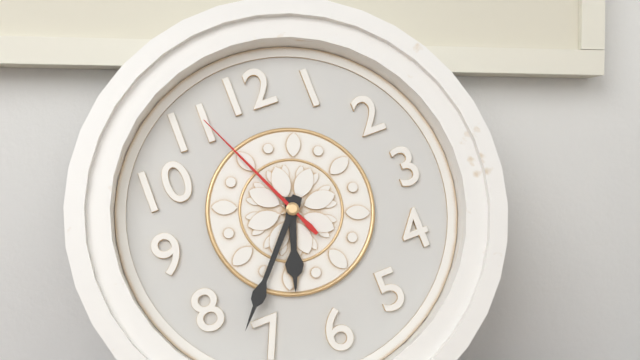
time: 6:37:56
